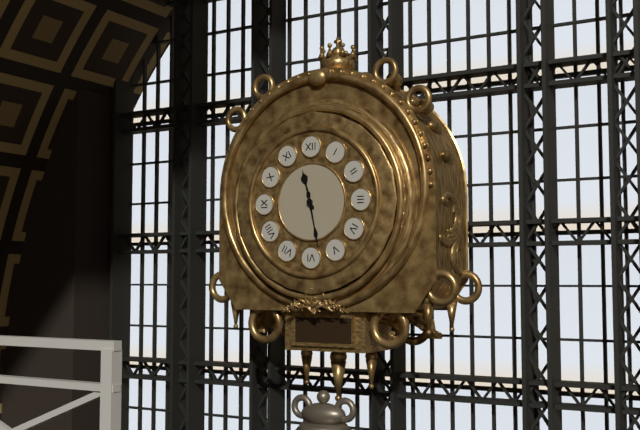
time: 11:28
